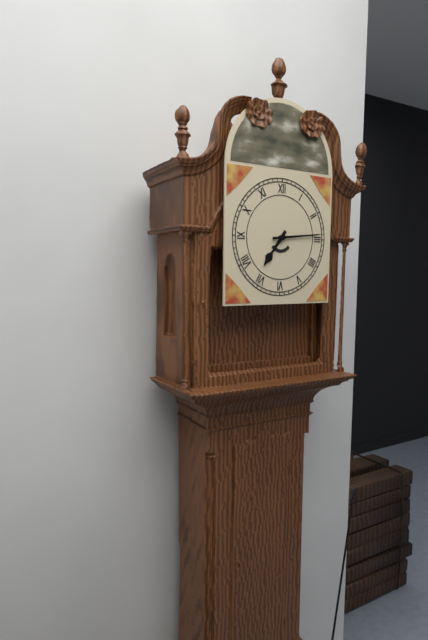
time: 7:14
